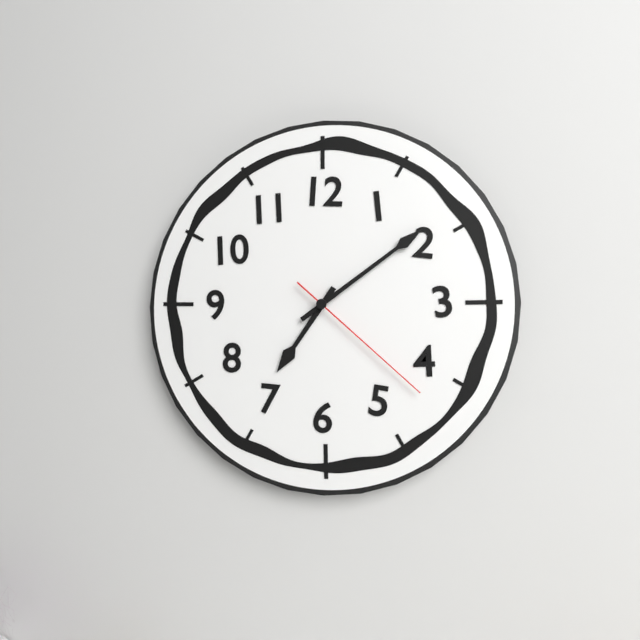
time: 7:09:22
